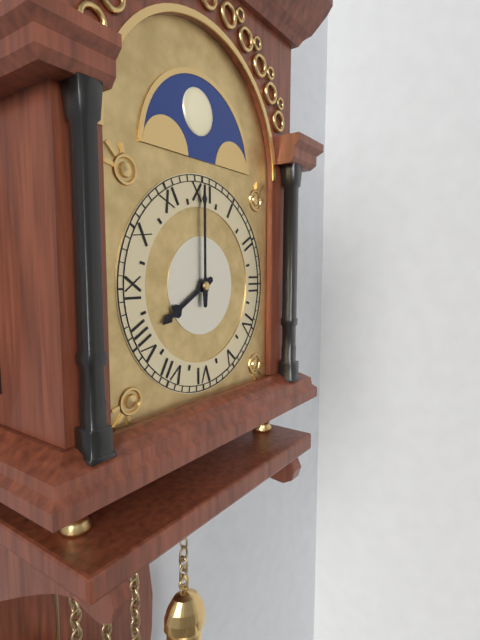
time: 8:00
